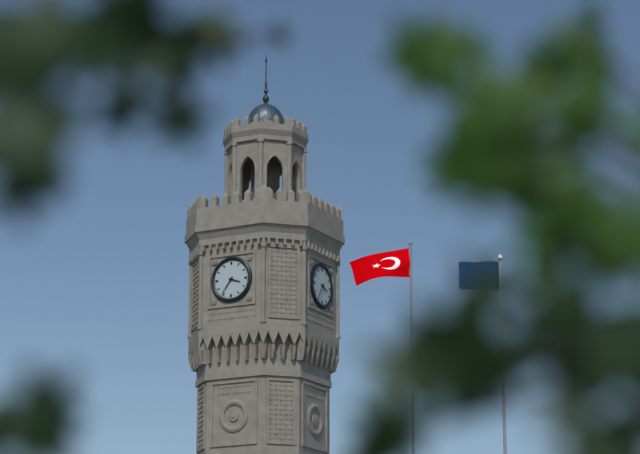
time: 3:36
